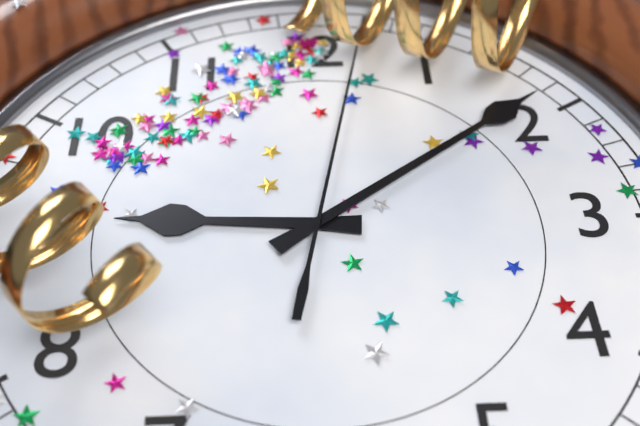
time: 9:09:02
